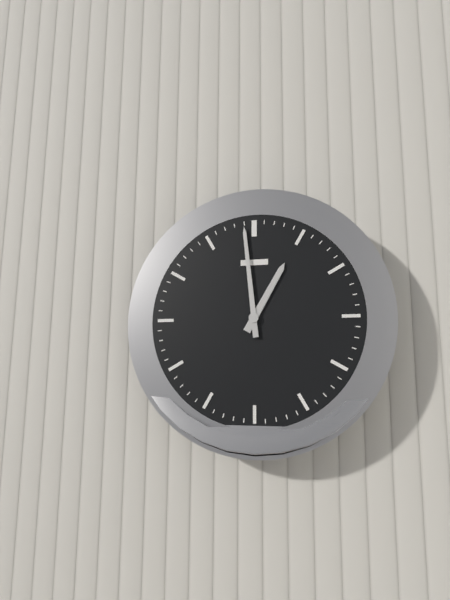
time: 12:59
